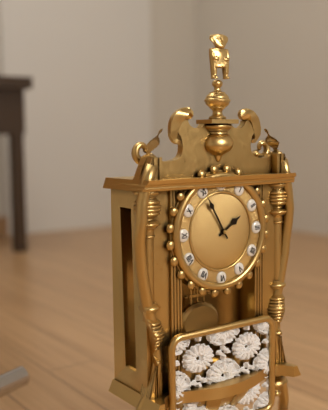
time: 1:55
